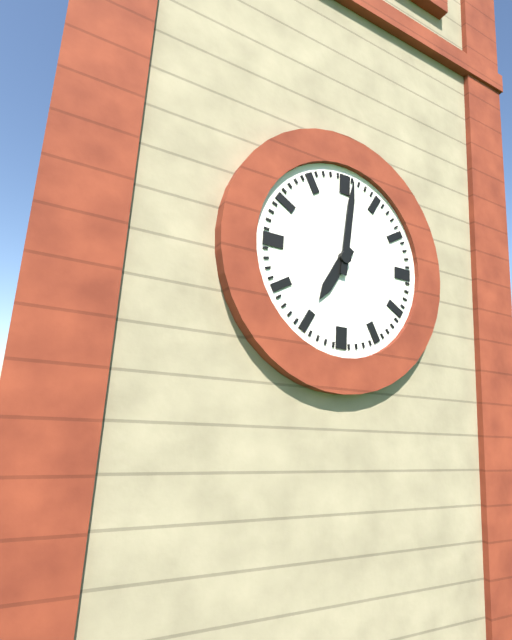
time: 7:01
